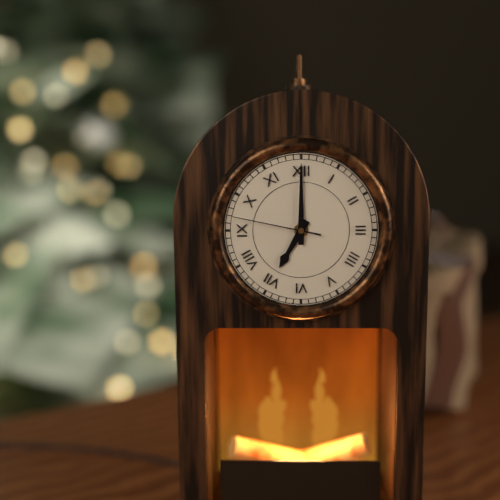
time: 7:00:47
